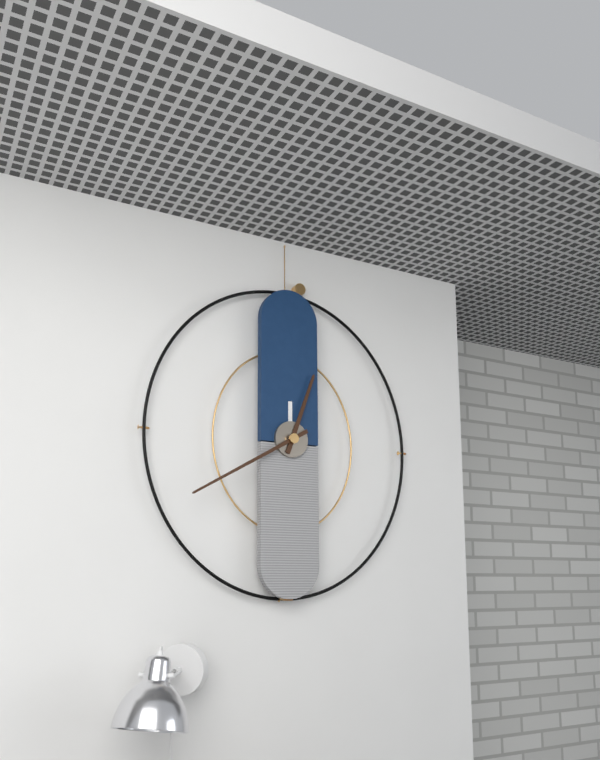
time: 12:40
